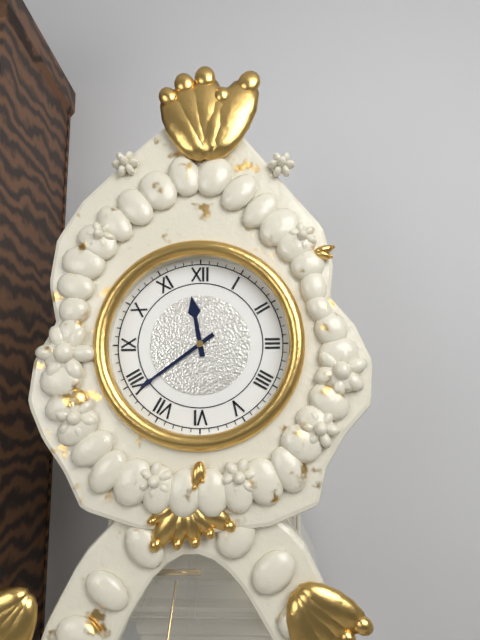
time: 11:39
